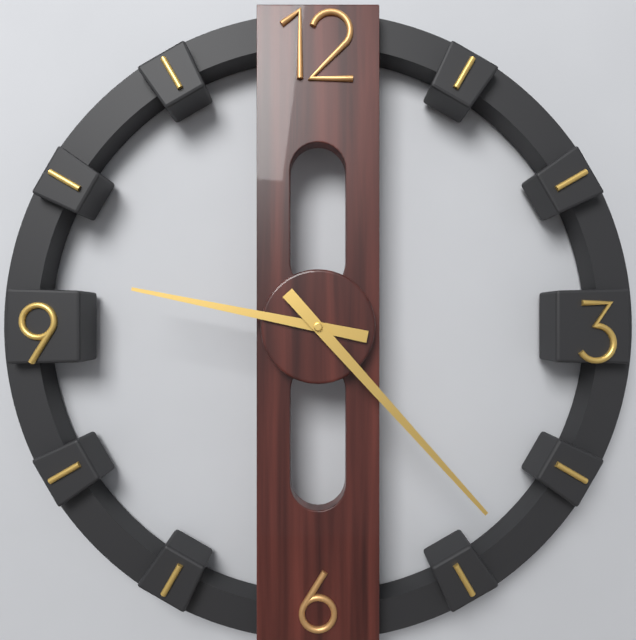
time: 9:23
